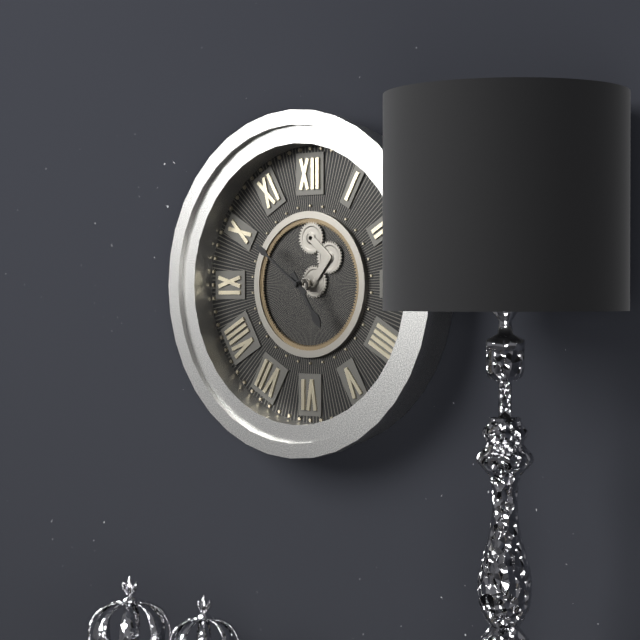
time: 4:51
